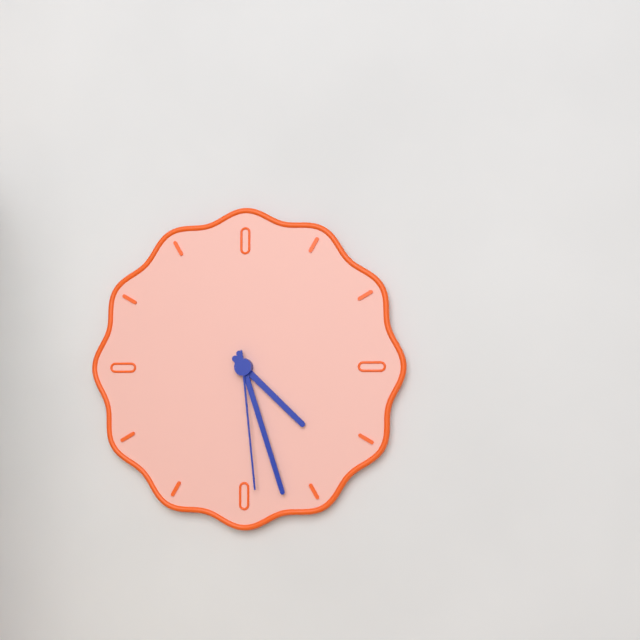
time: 4:27:29
